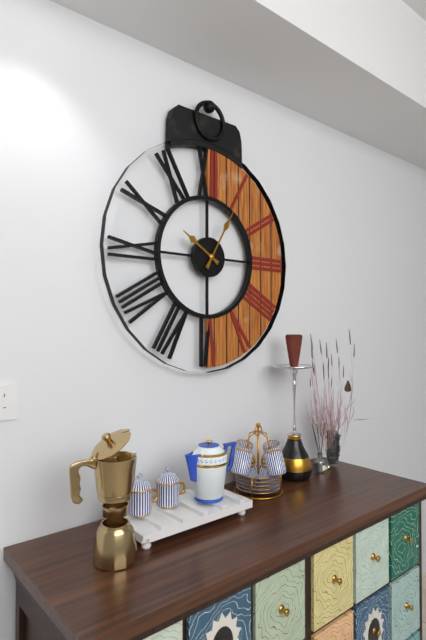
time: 10:05
